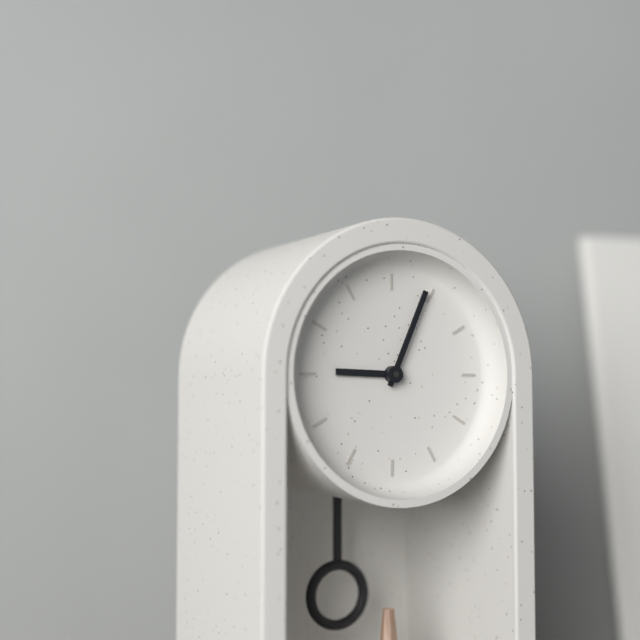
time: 9:04
